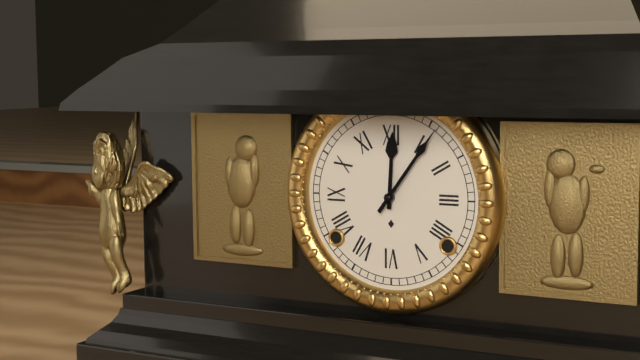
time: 12:06
